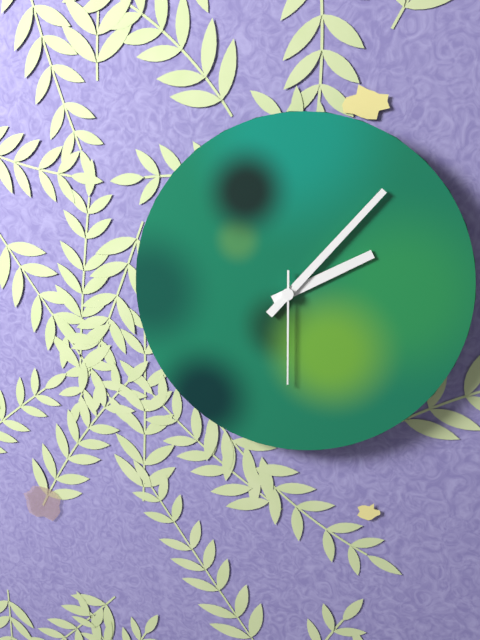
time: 2:07:30
